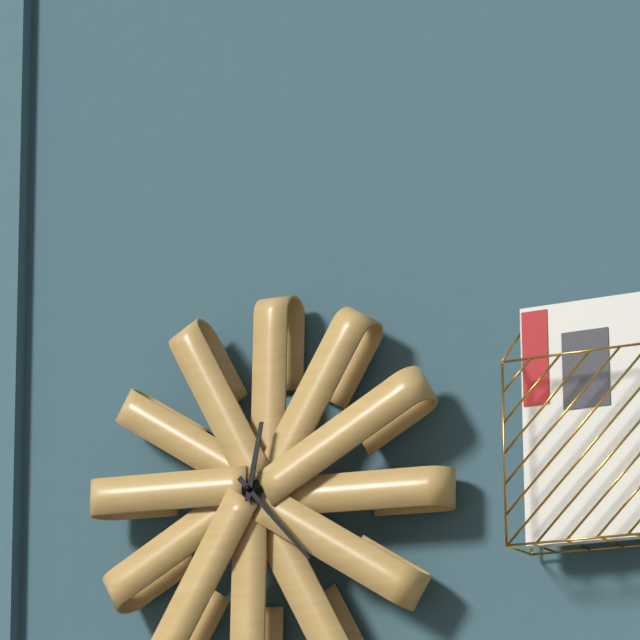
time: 12:23
